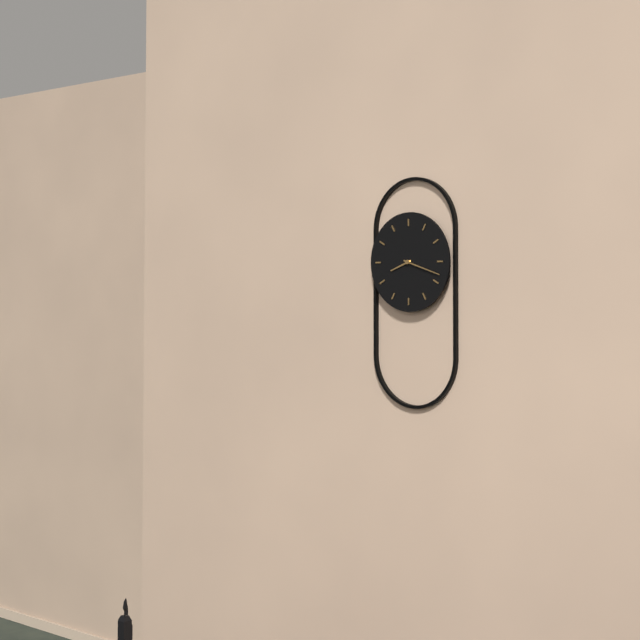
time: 8:18
